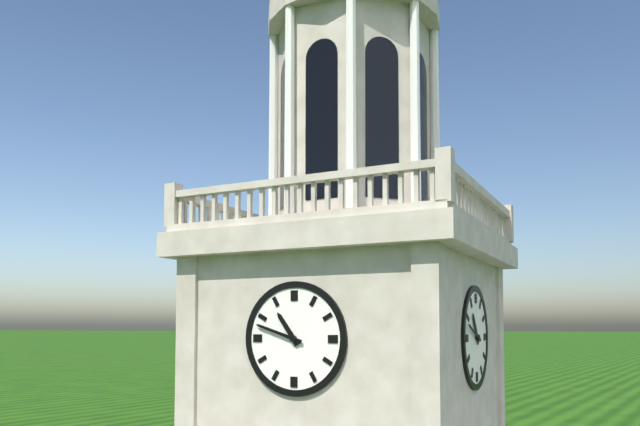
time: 10:48
